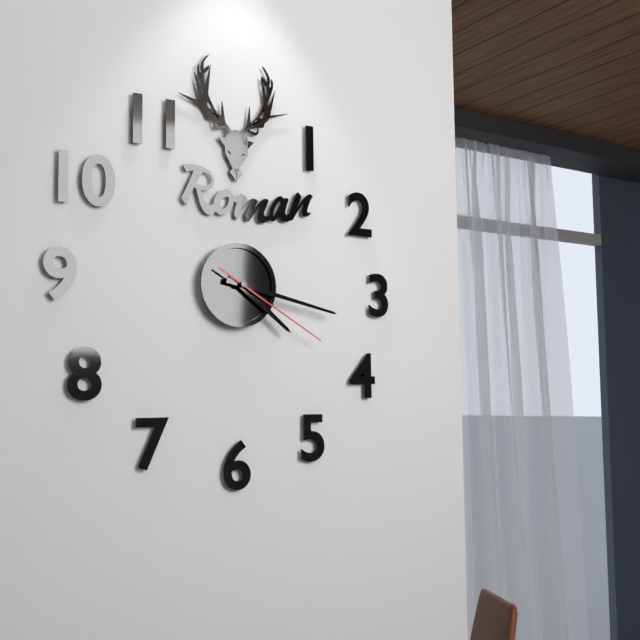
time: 4:17:20
